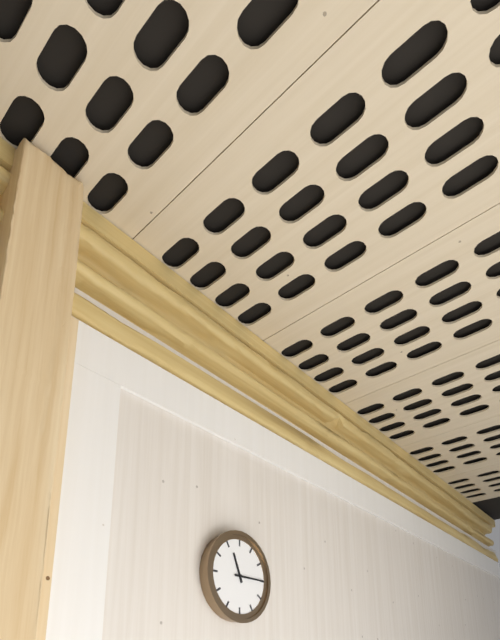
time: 11:15
